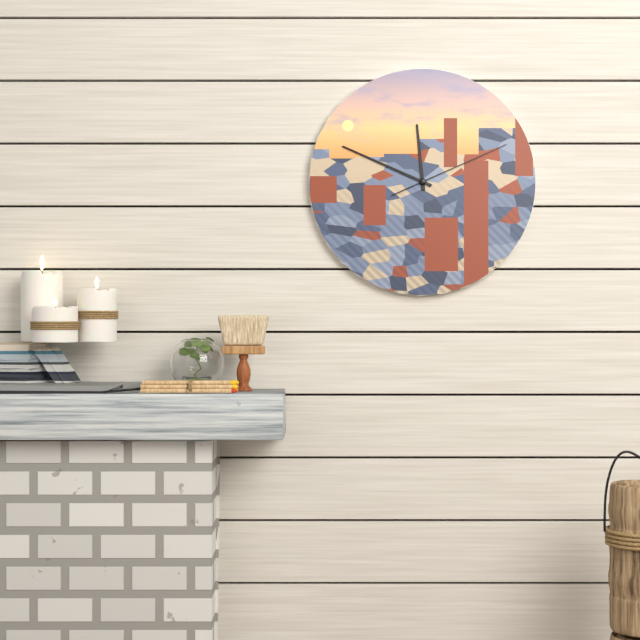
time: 11:49:11
